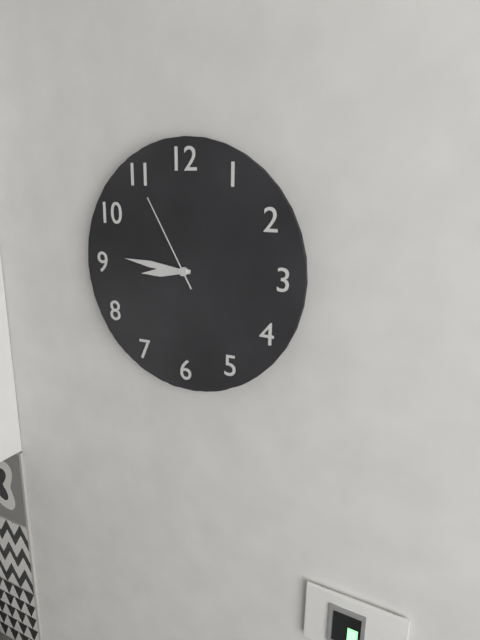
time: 8:46:55
